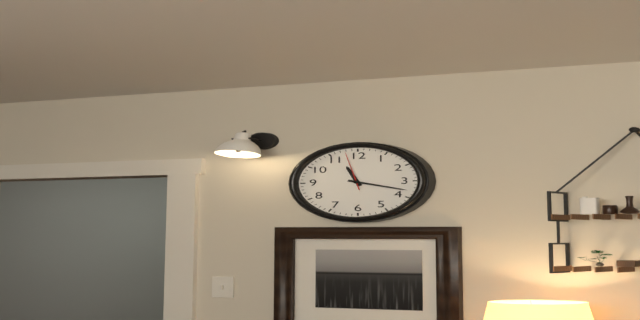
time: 11:18
